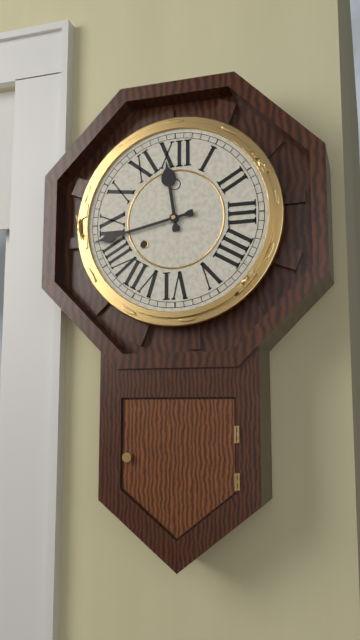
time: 11:43
